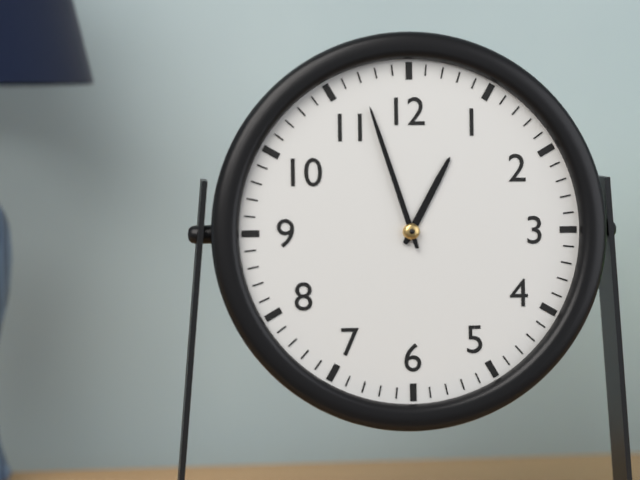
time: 12:57
